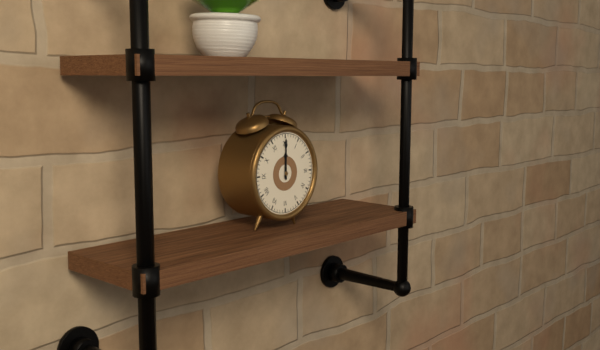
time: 12:00
